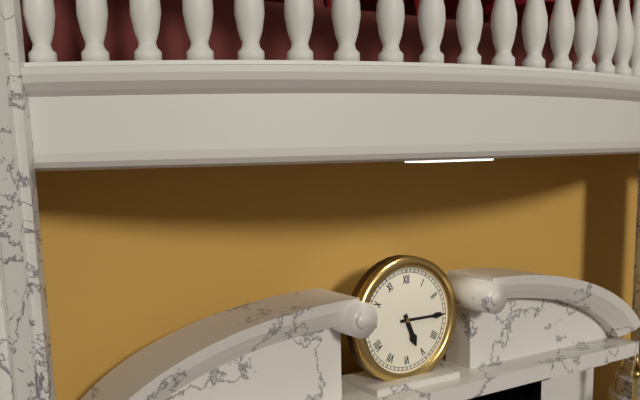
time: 5:15
